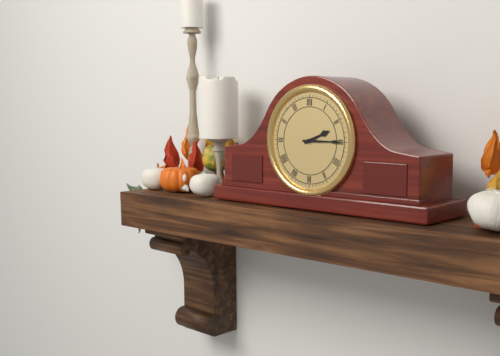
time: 2:15
